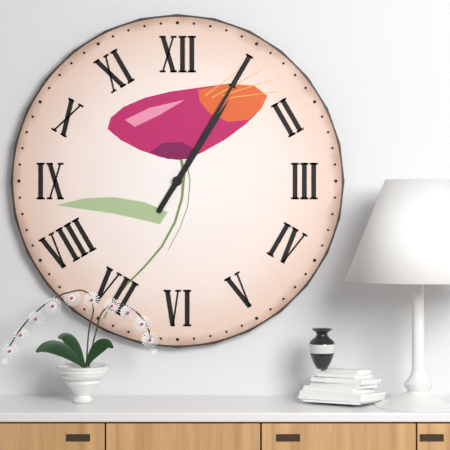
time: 1:05
